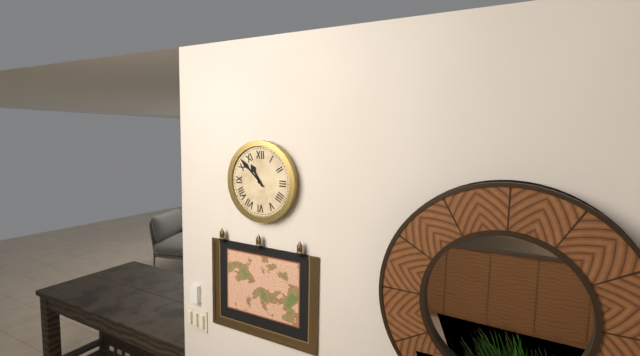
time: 10:52
